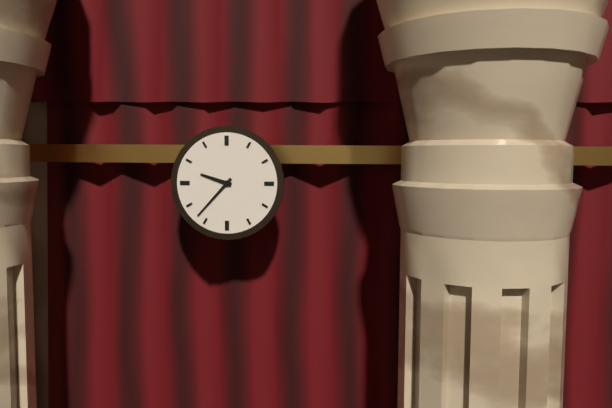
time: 9:37
